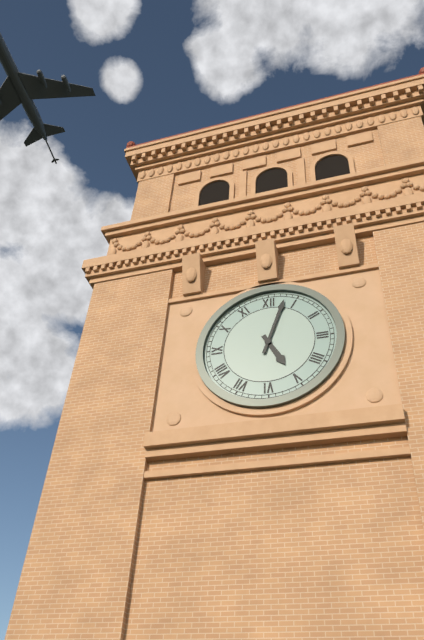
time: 5:03
